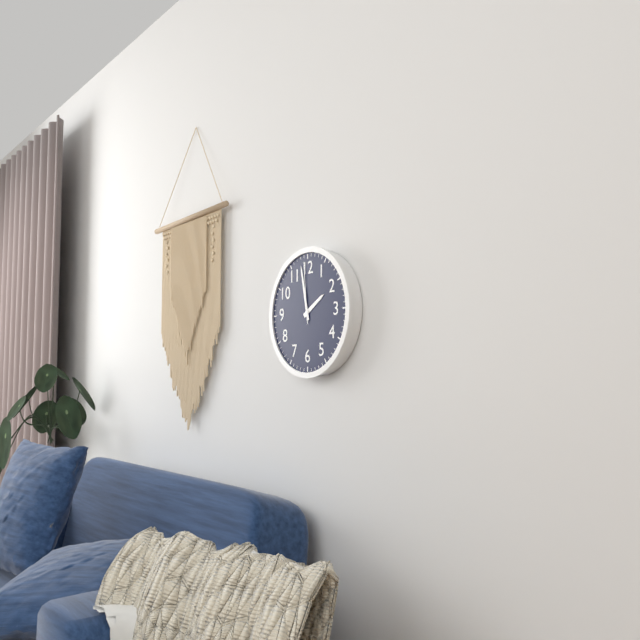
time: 1:58:59
